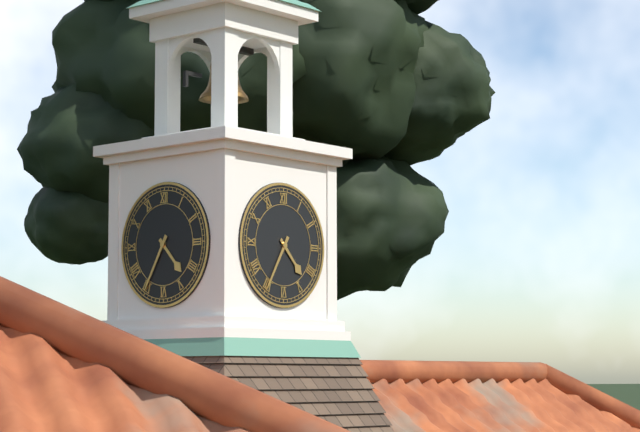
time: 4:35
